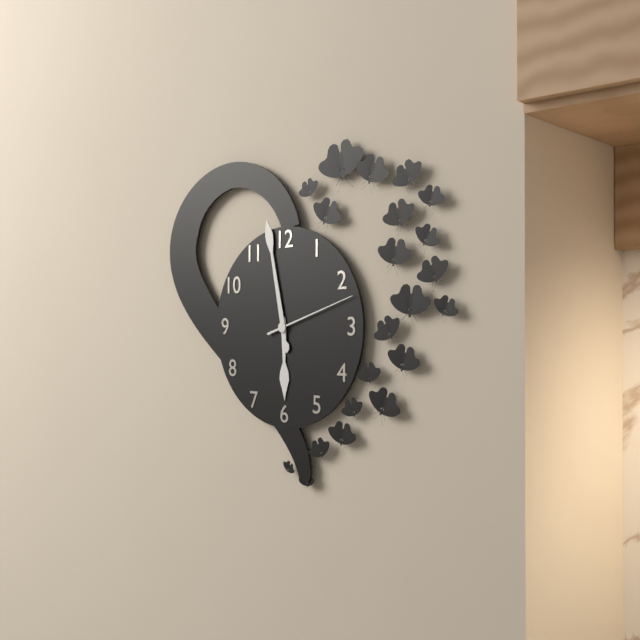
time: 5:58:12
